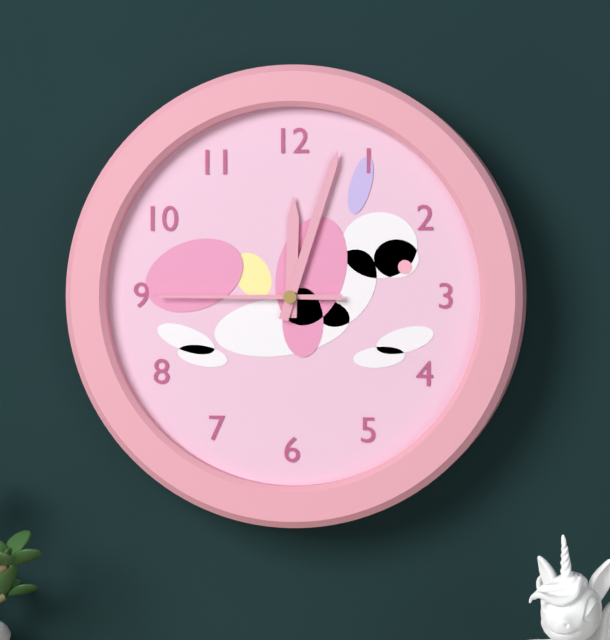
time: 12:03:45
